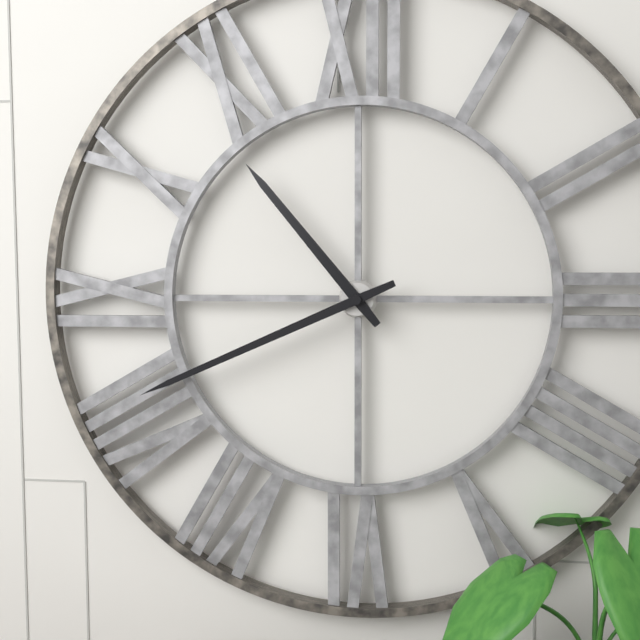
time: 10:41
